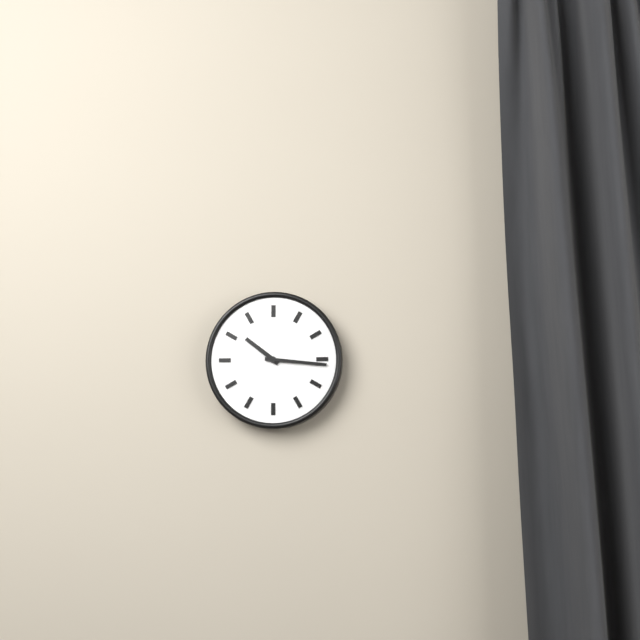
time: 10:16
